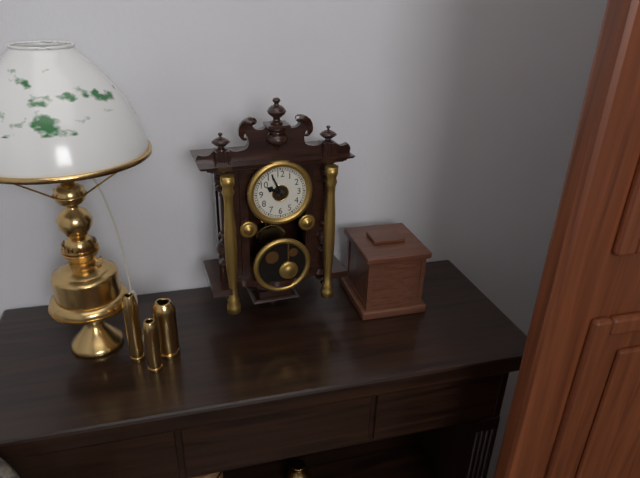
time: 9:56
